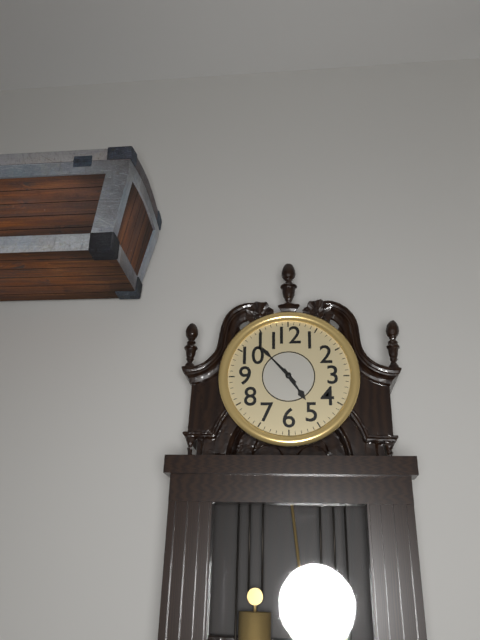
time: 4:53
